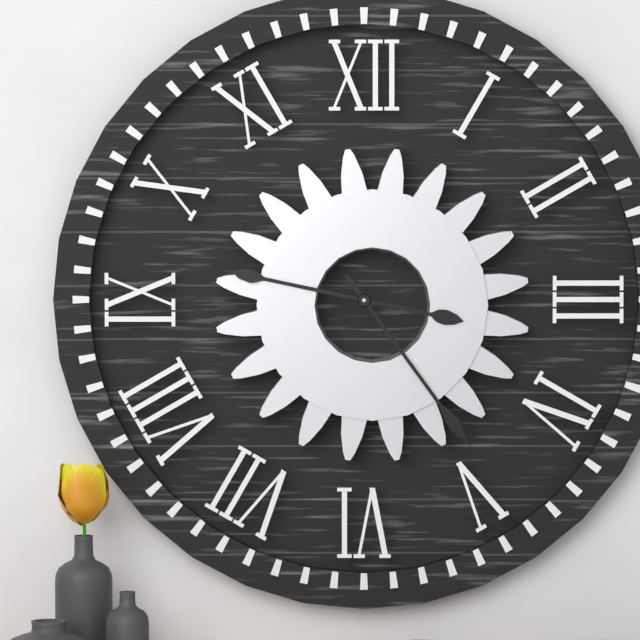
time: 9:24
